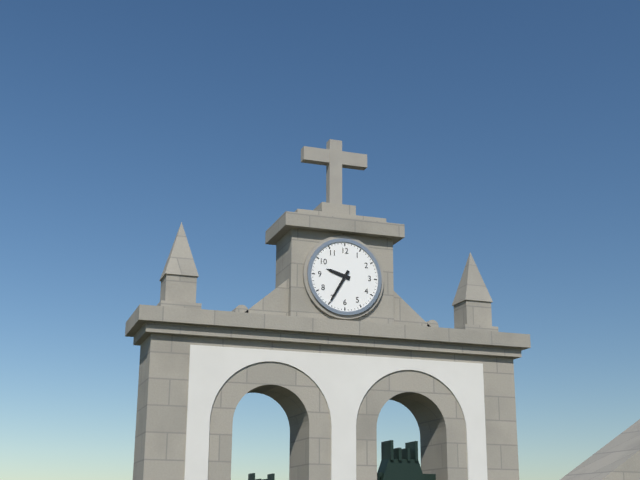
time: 9:35
